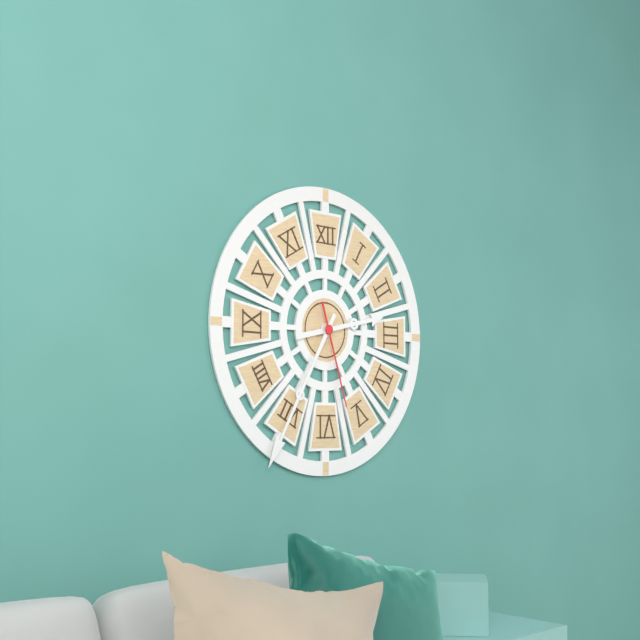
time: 2:35:27
